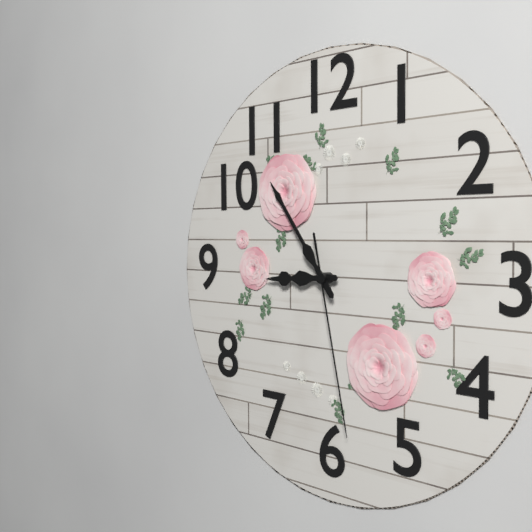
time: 8:54:28
